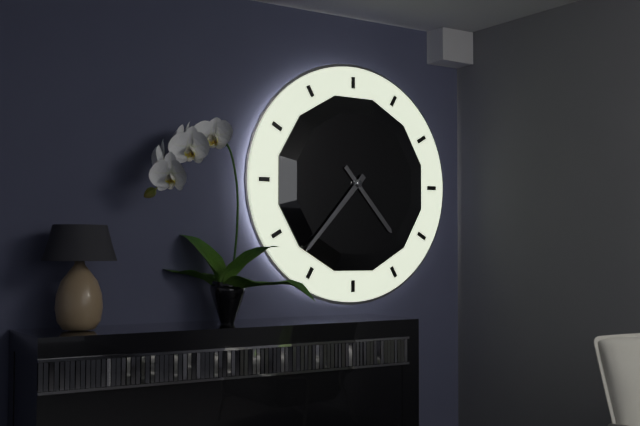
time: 4:37
